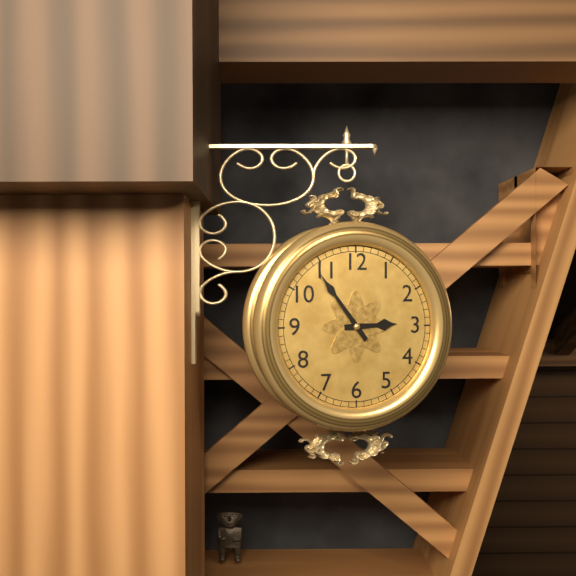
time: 2:54
